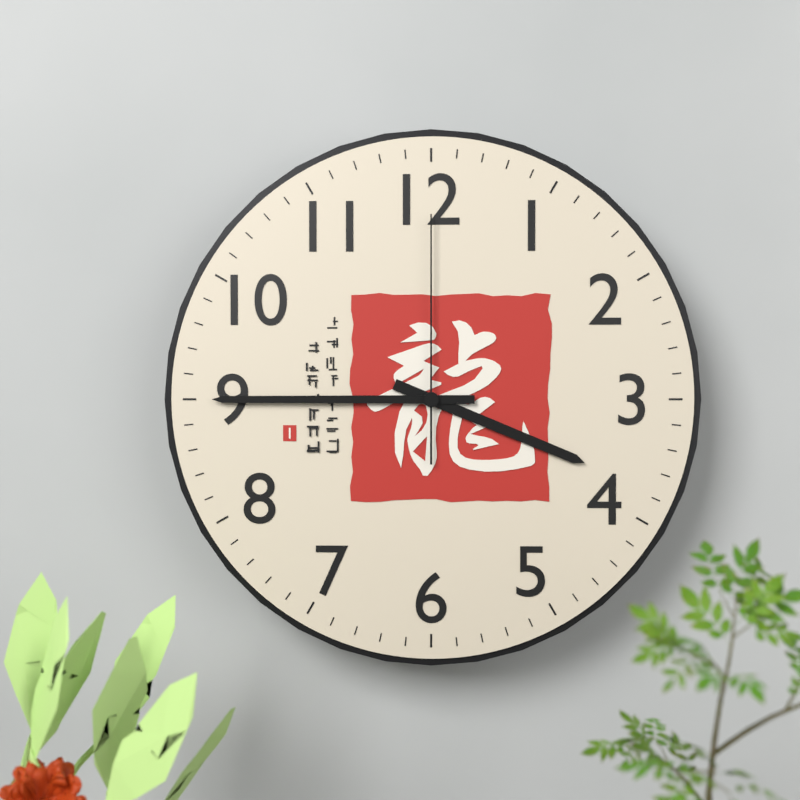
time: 3:45:00
